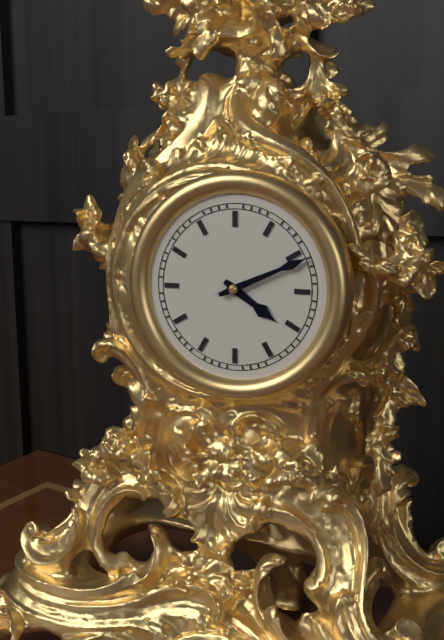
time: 4:11
